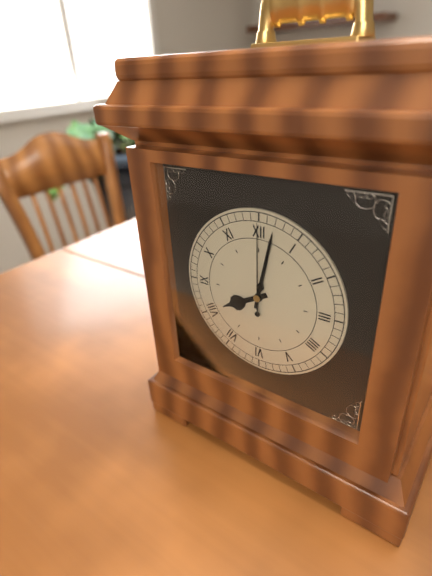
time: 8:02:00
